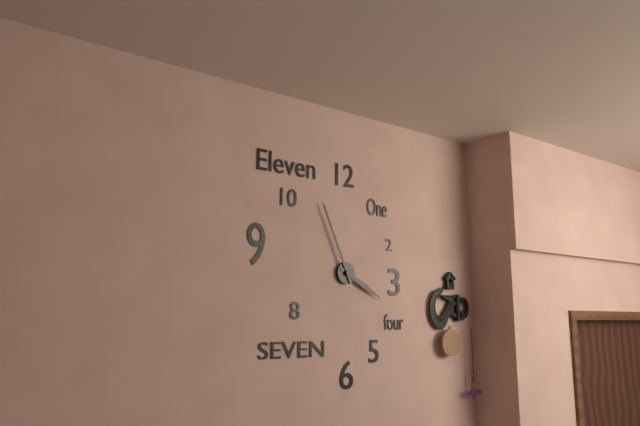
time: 3:56
